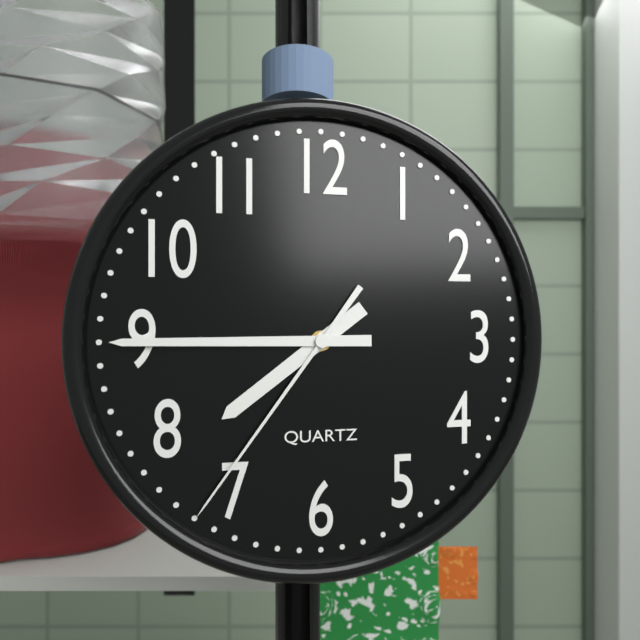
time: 7:45:36
